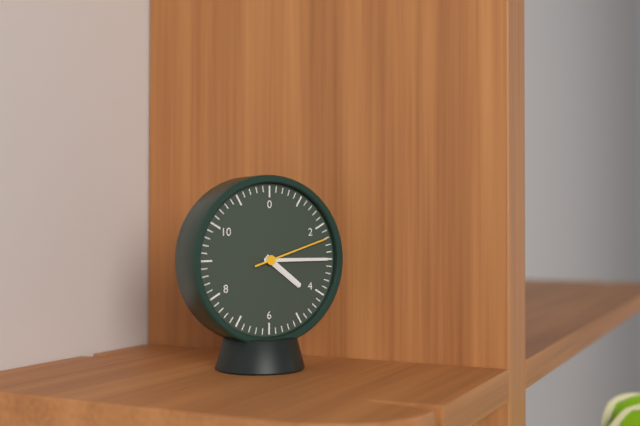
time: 4:15:12
